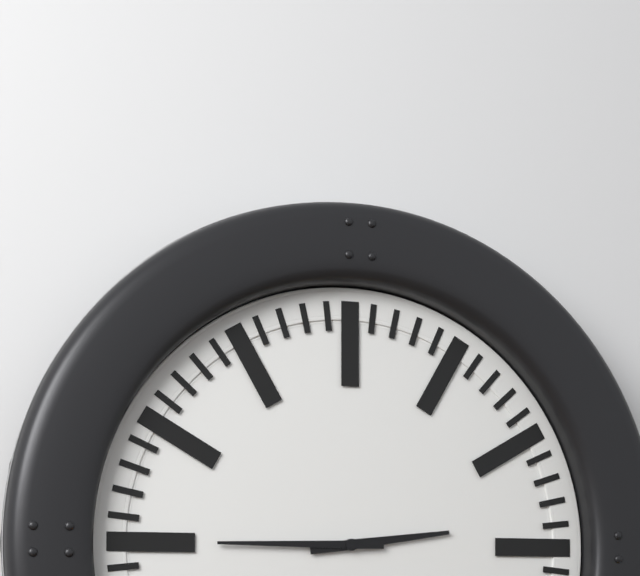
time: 2:45
